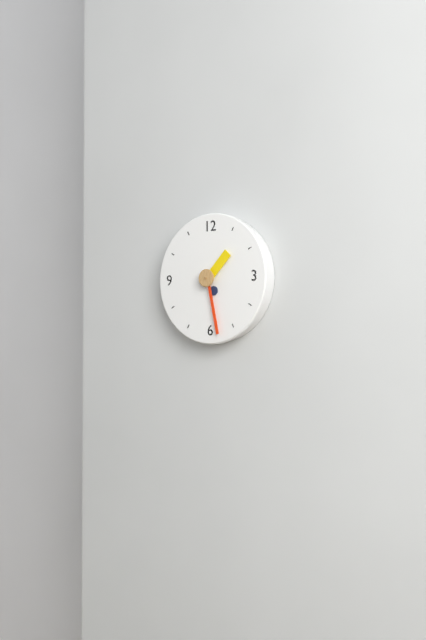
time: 1:28
